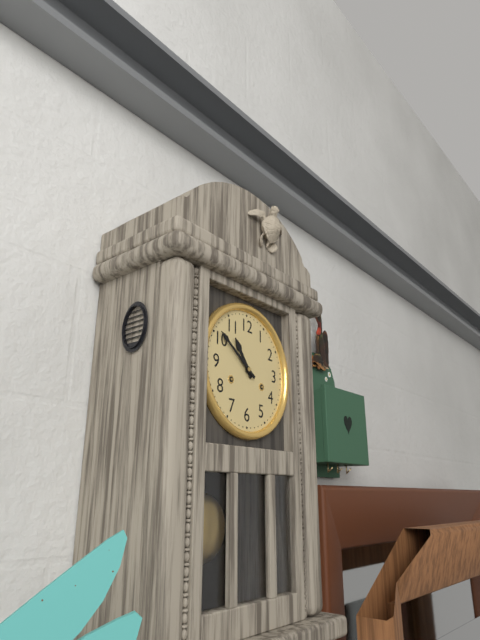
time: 10:51
